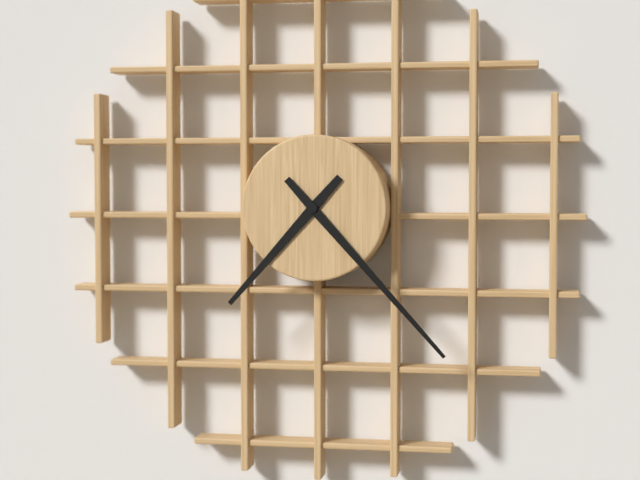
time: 7:23
